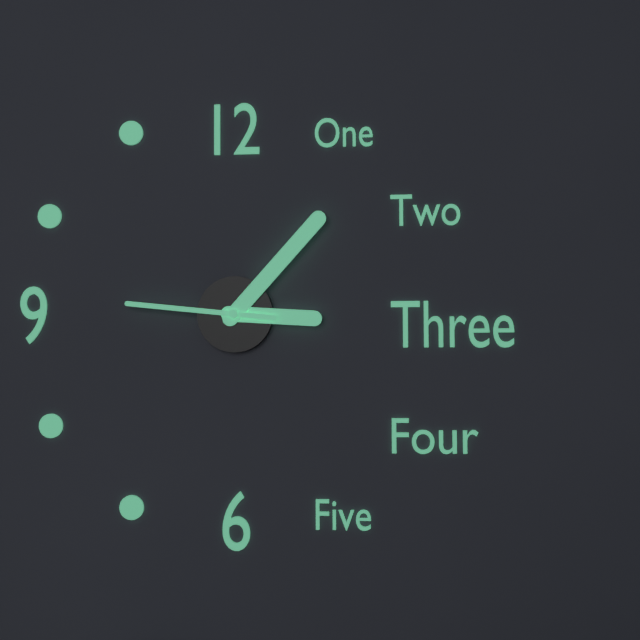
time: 3:07:46
